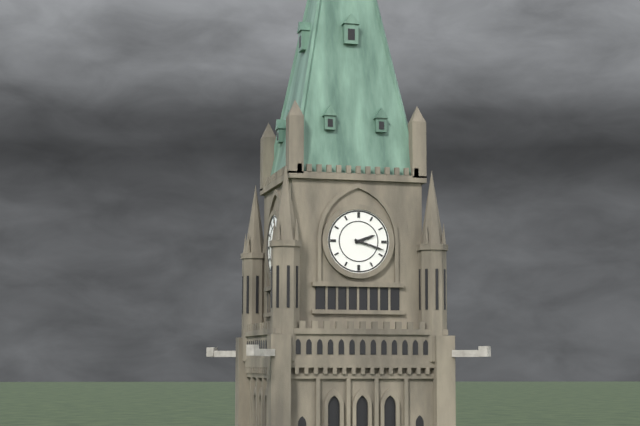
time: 2:18
